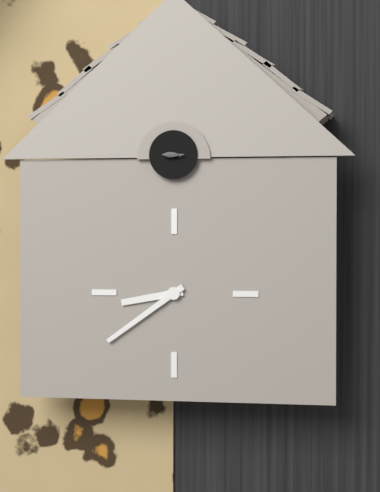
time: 8:39
